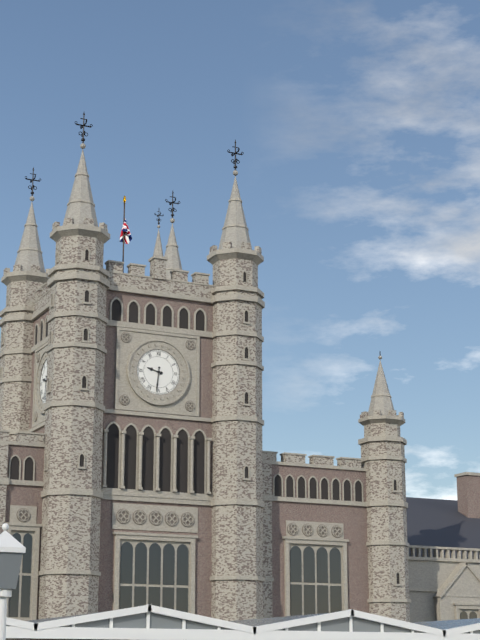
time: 9:31
